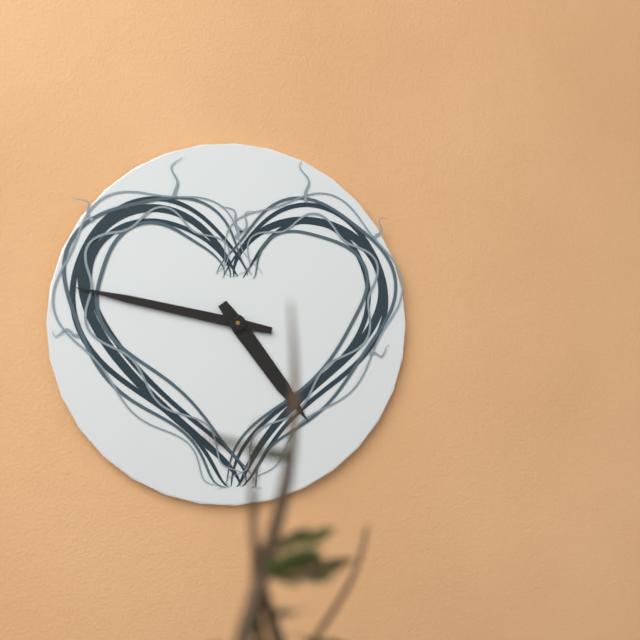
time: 4:47
